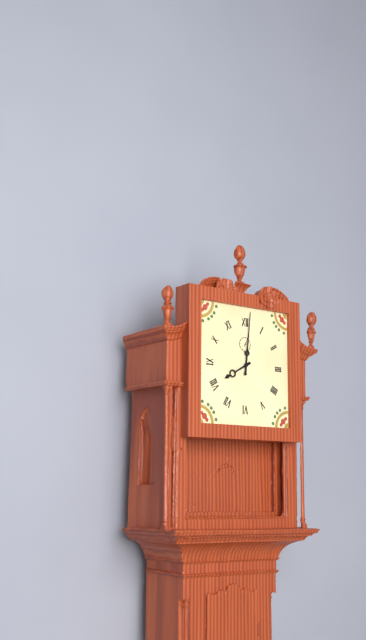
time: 8:01
